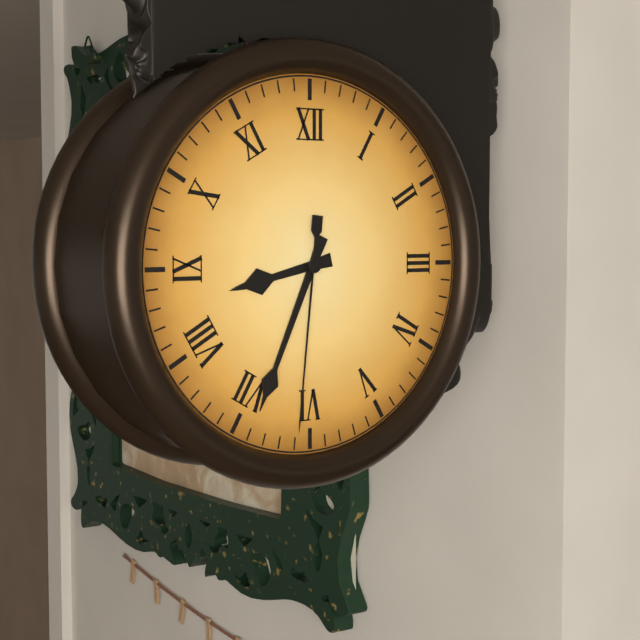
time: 8:34:31
